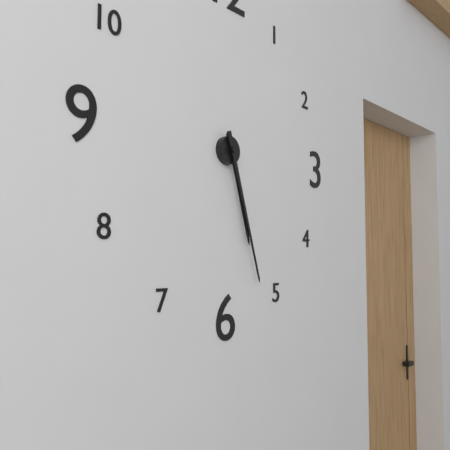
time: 5:27
